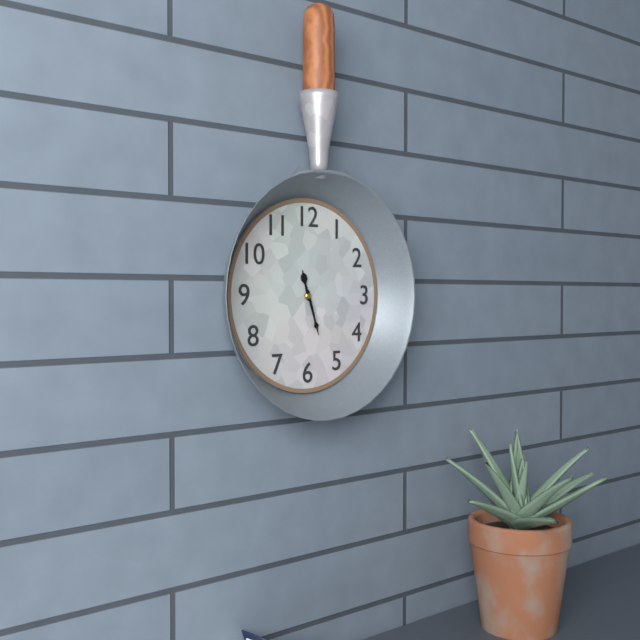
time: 11:27
